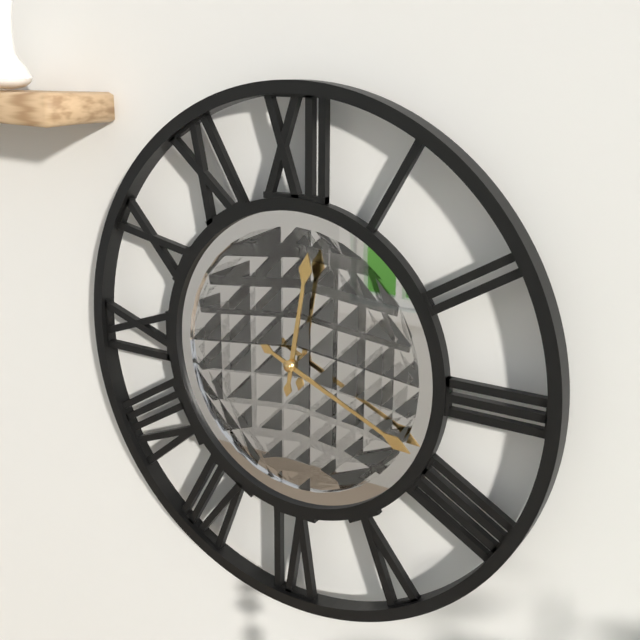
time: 12:19
